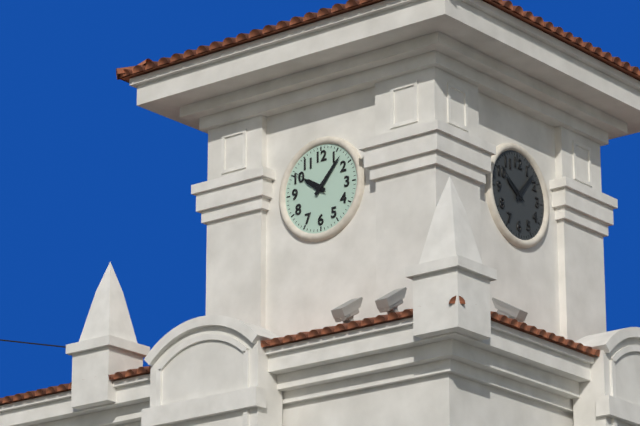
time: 10:07
